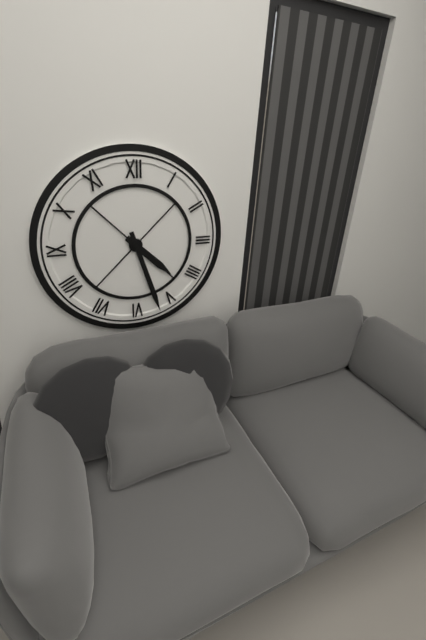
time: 4:27
